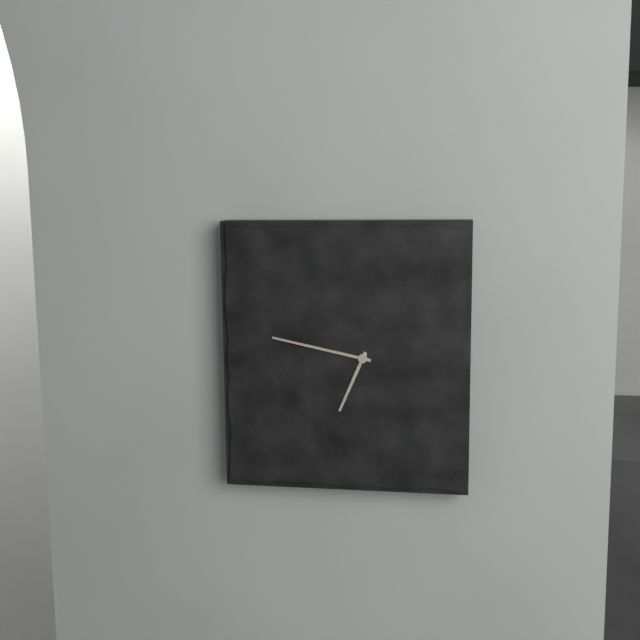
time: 6:47
